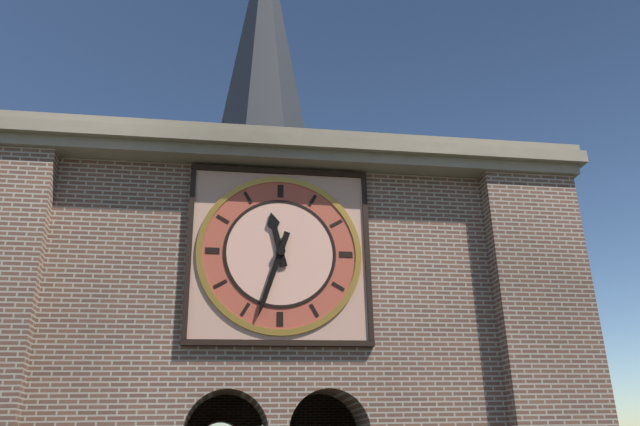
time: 11:33
